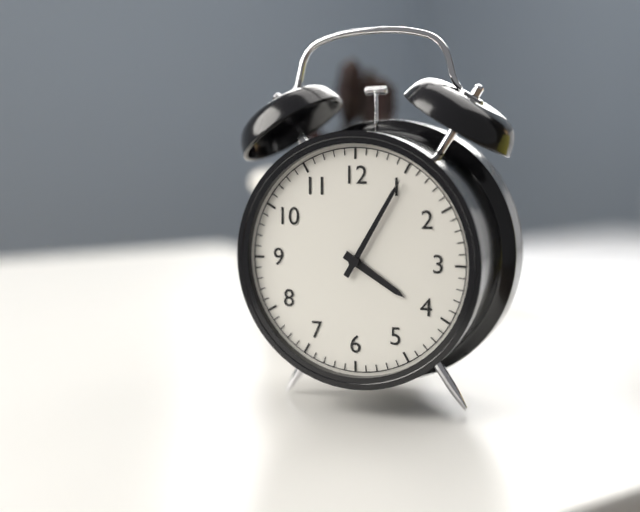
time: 4:05
